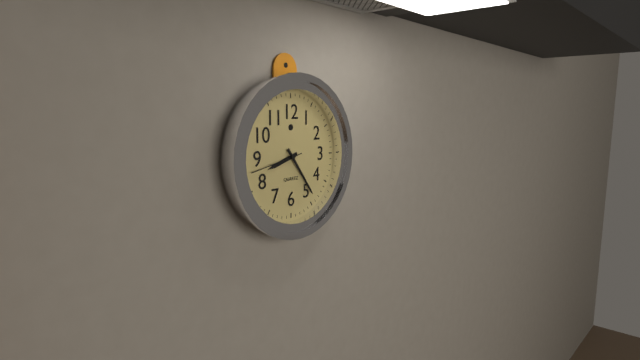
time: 8:24:43
